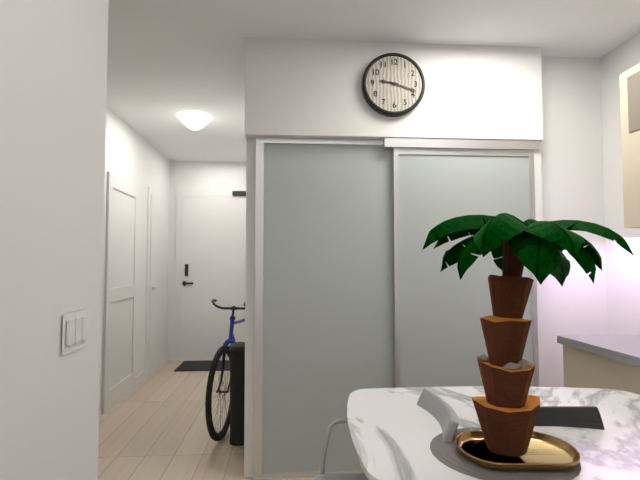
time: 9:18
